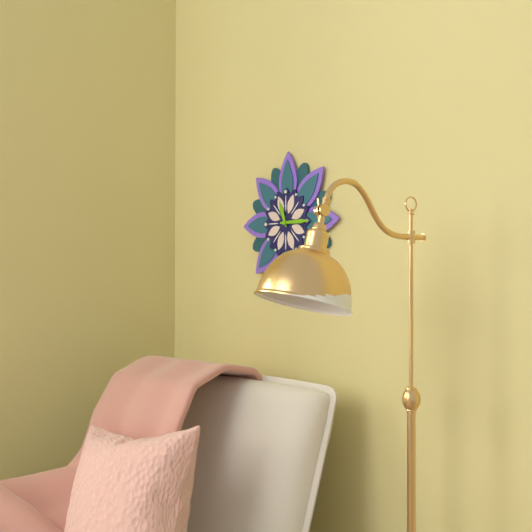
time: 11:15
